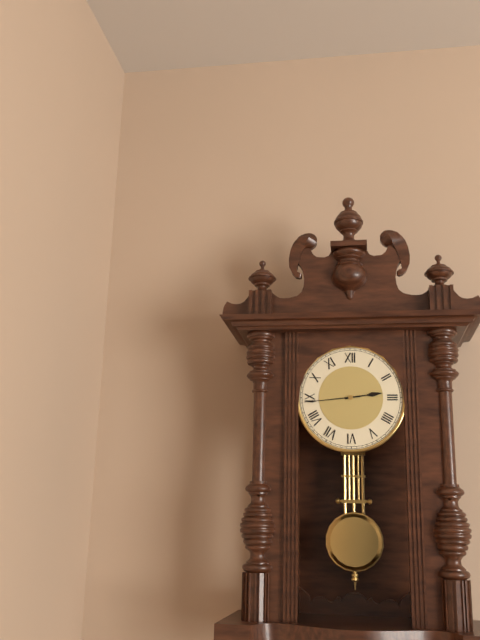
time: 2:44
